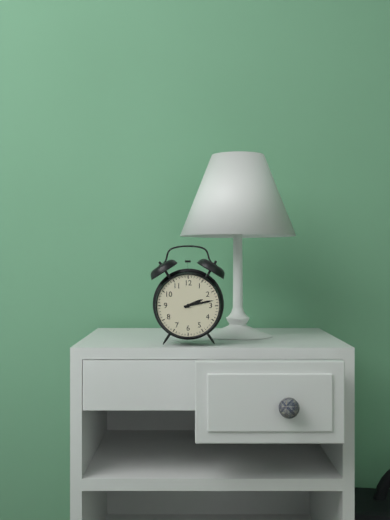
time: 2:13
